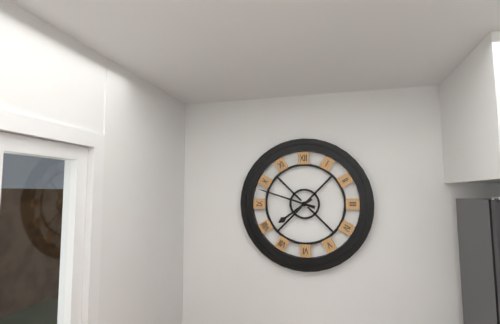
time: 7:48
